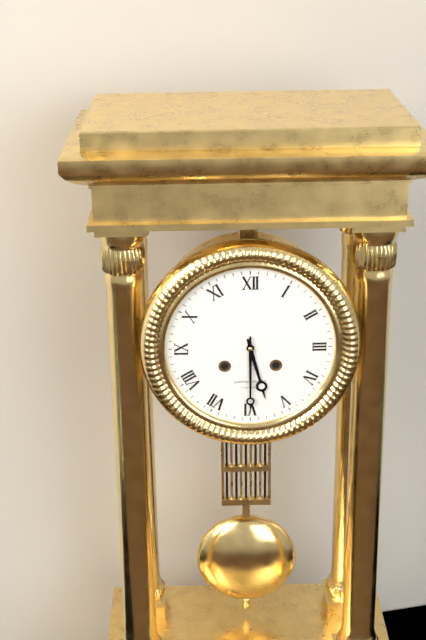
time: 5:30
